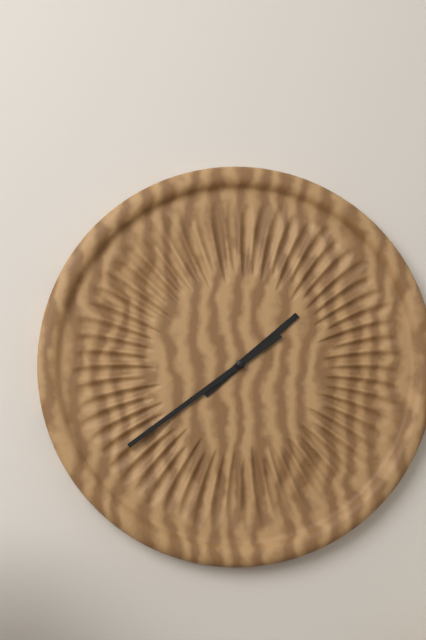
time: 1:39
